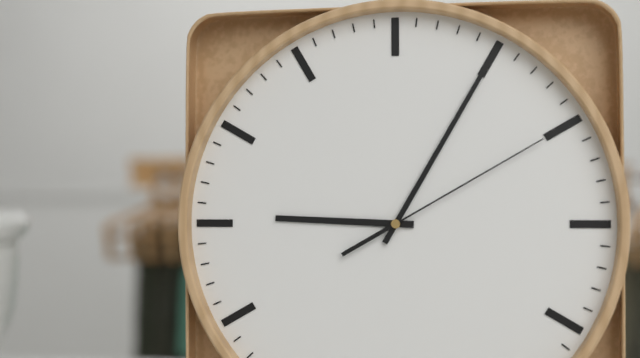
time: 9:05:10
